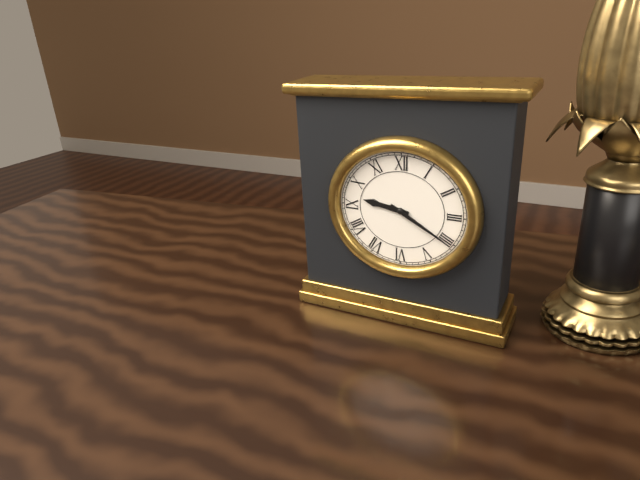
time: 9:20
